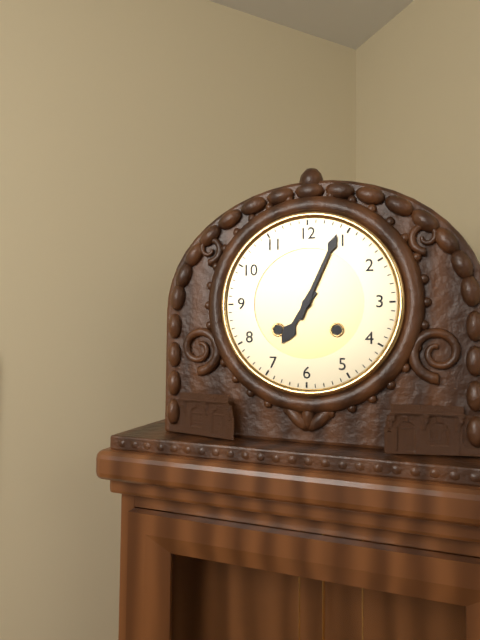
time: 7:04
